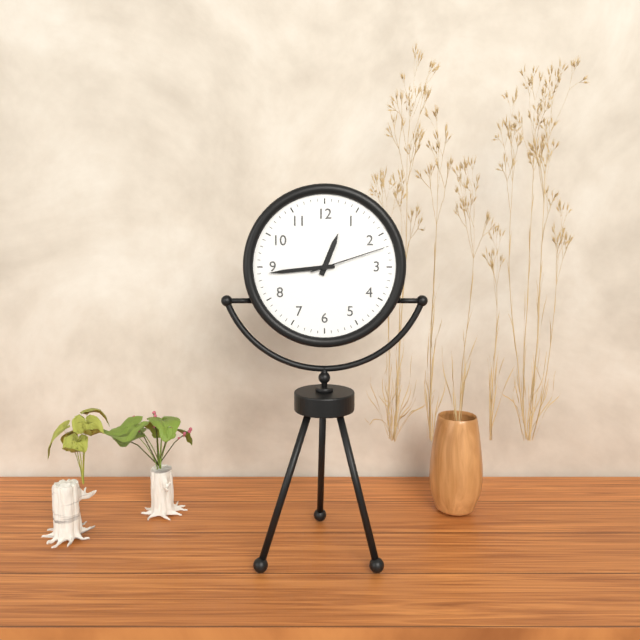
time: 12:44:12
